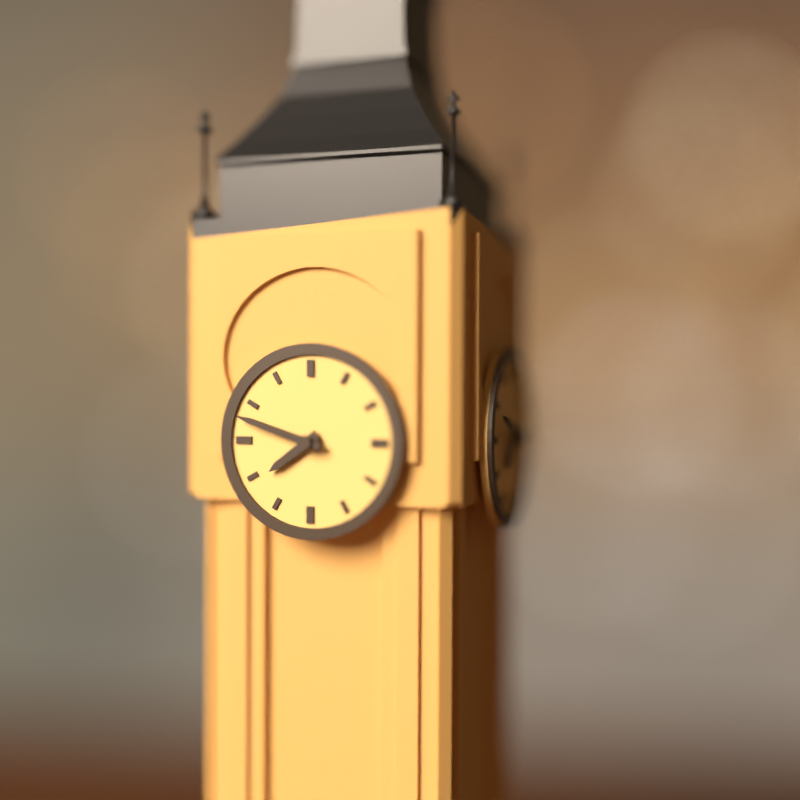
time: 7:48
